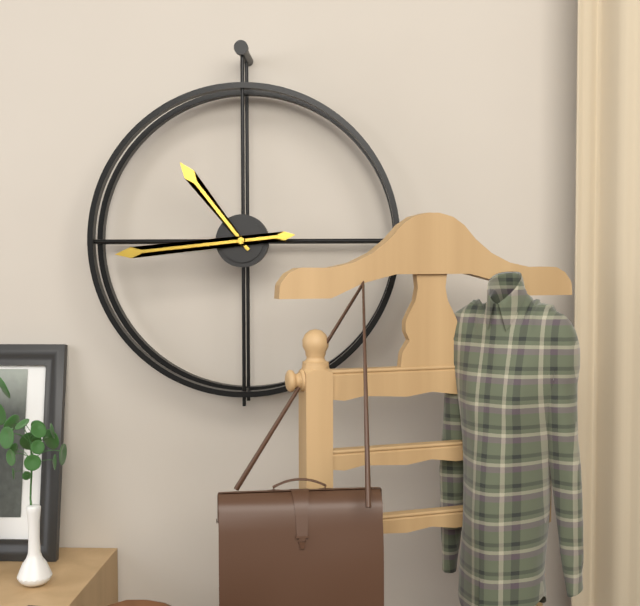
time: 10:44
